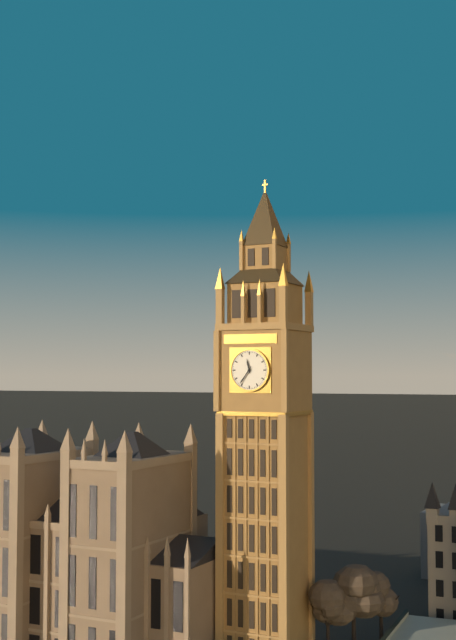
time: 11:36
